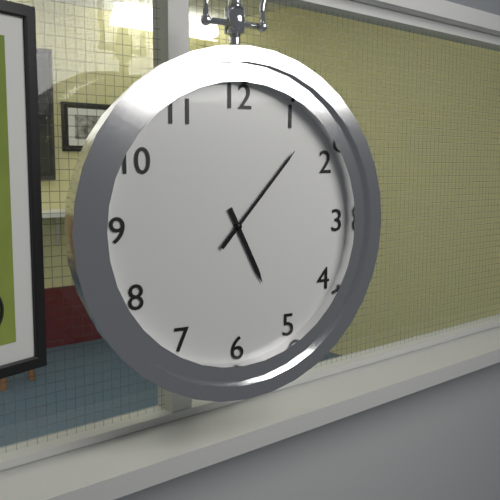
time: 5:07
